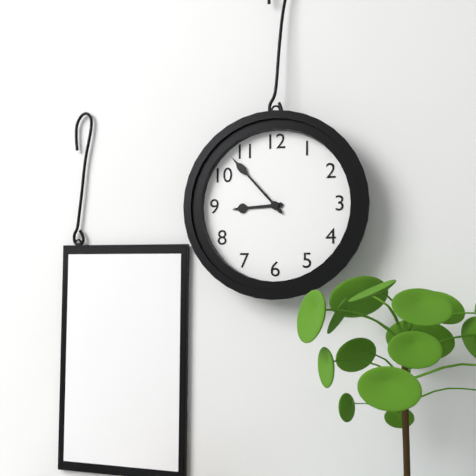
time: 8:53
